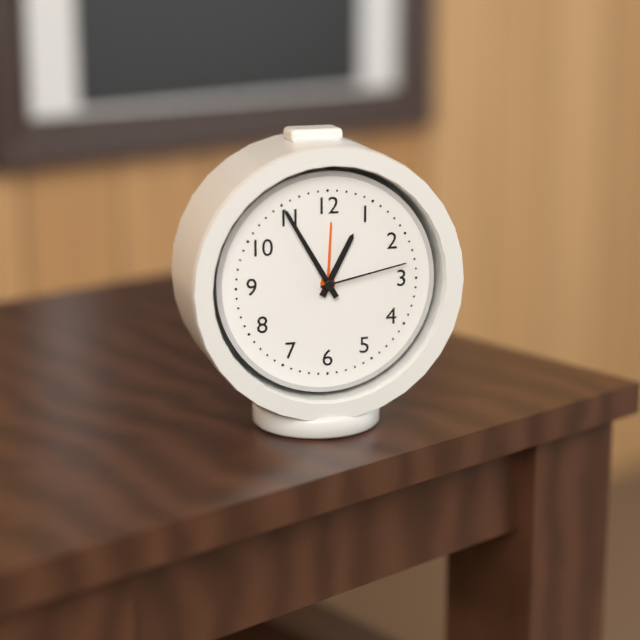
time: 12:55:13
